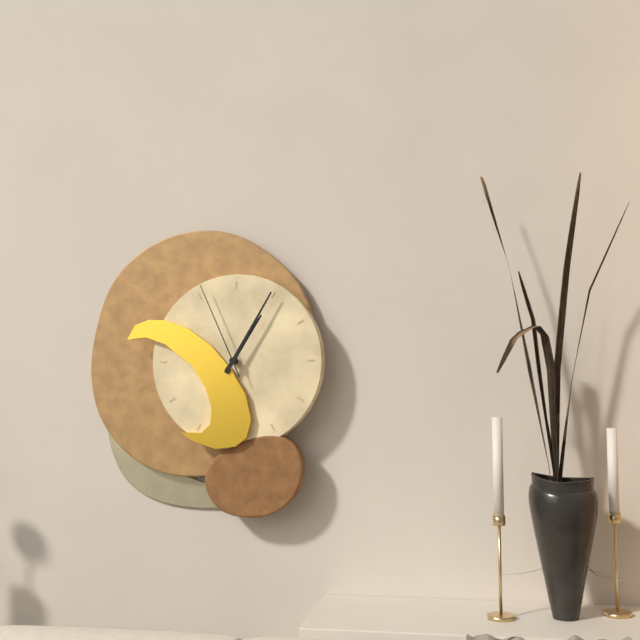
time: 1:05:56
